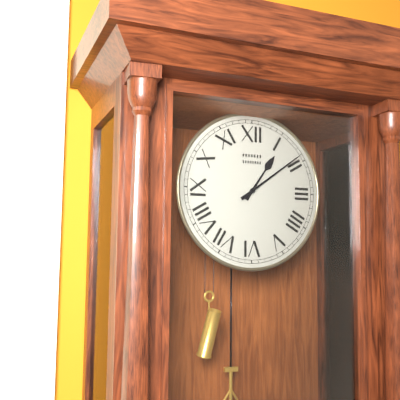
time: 1:09
